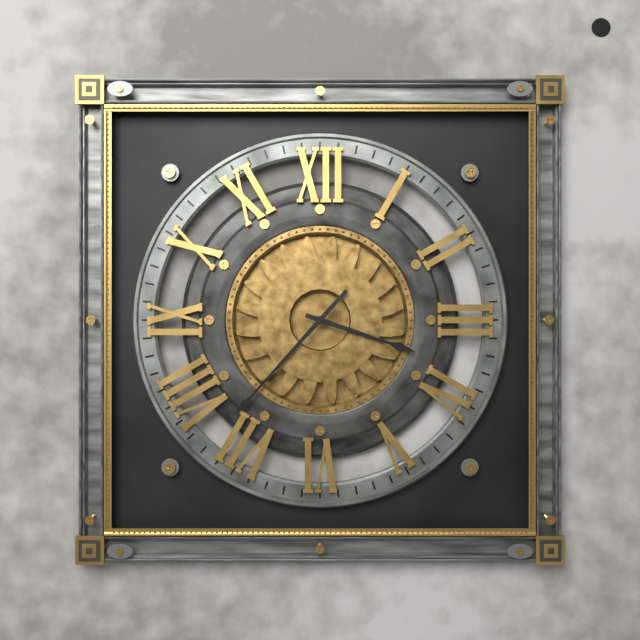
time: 3:37
